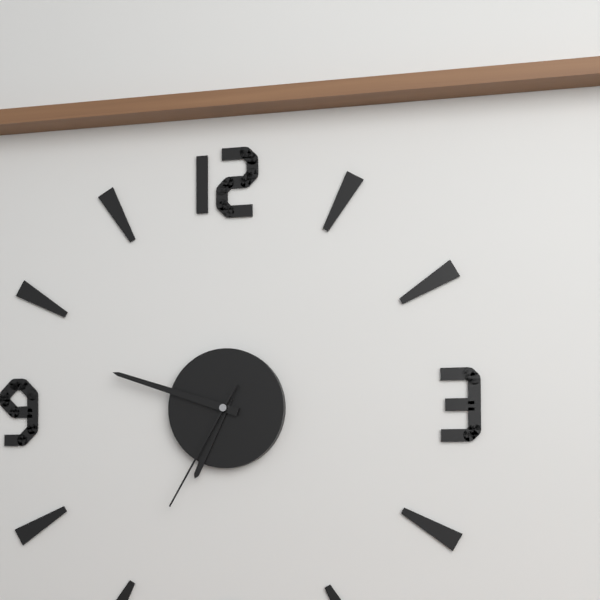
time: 6:48:35
